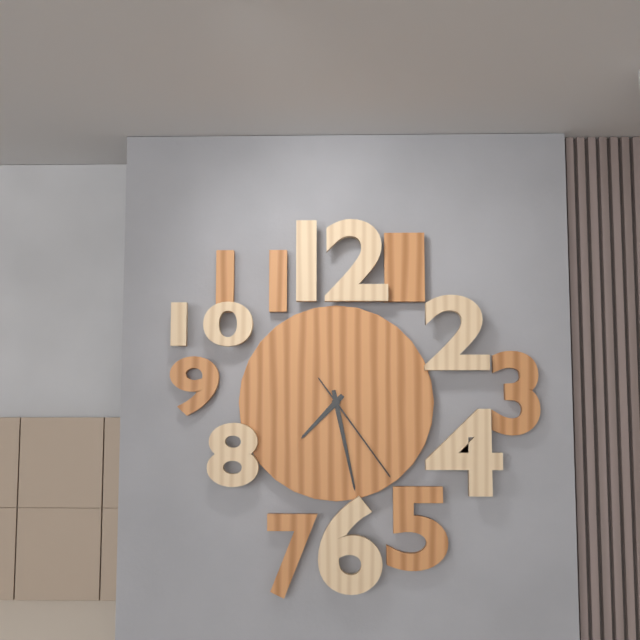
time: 7:28:24
